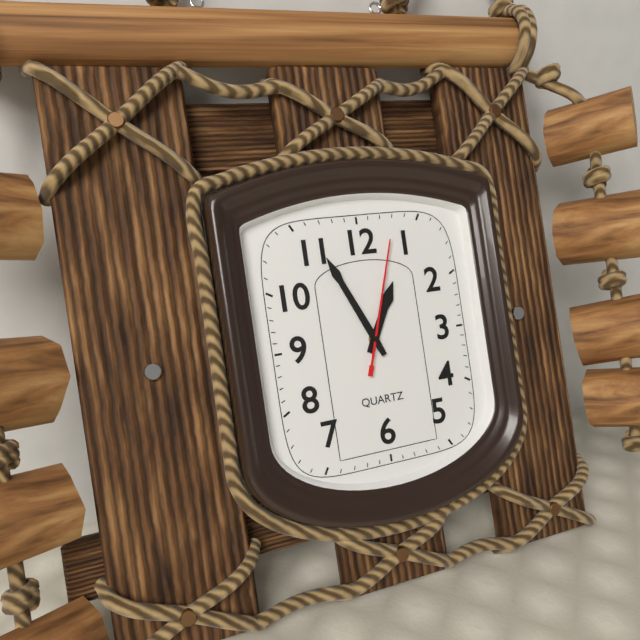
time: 12:56:03
